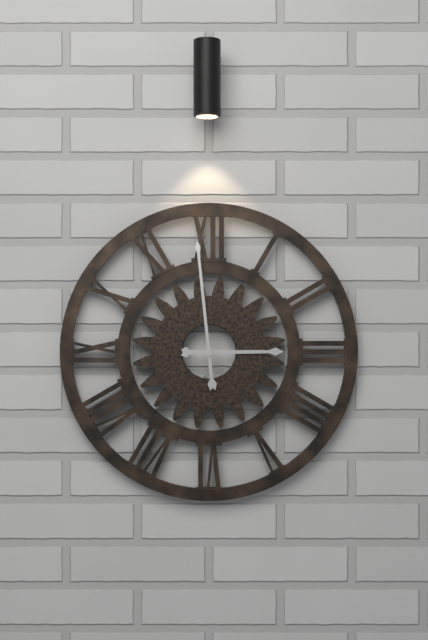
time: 2:59
